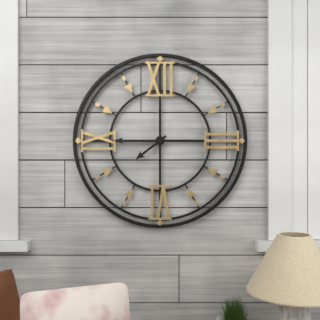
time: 7:45
